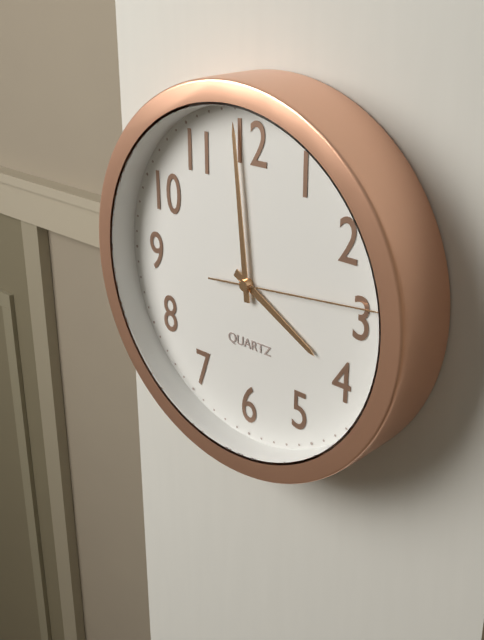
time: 3:59:14
